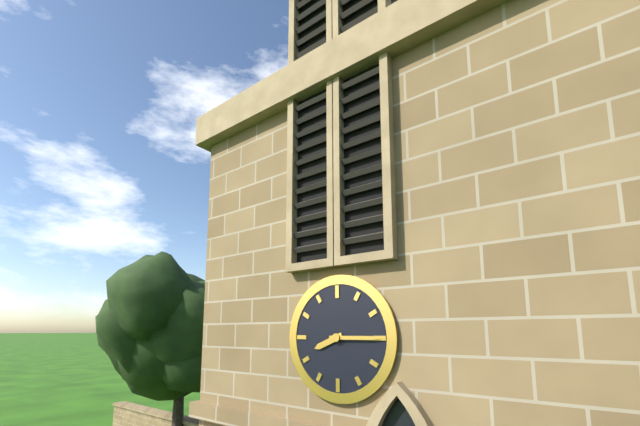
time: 8:15
